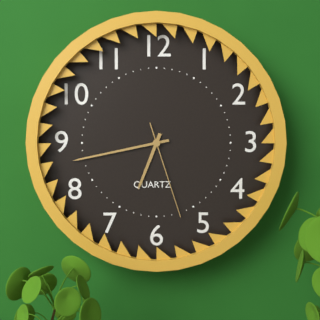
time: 6:43:27
